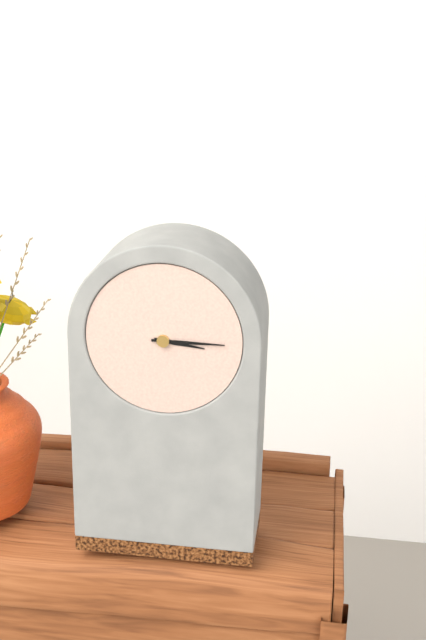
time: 3:15
